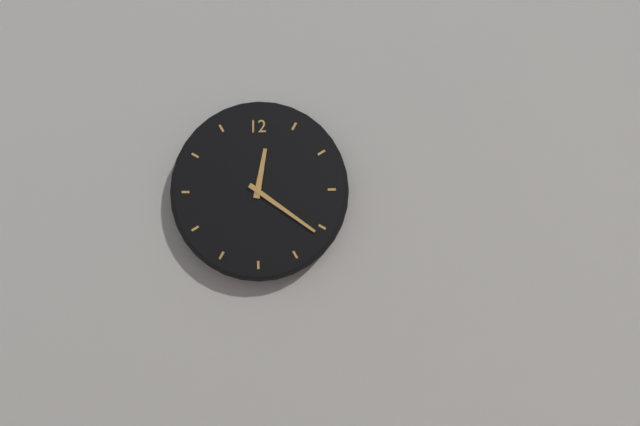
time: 12:21
